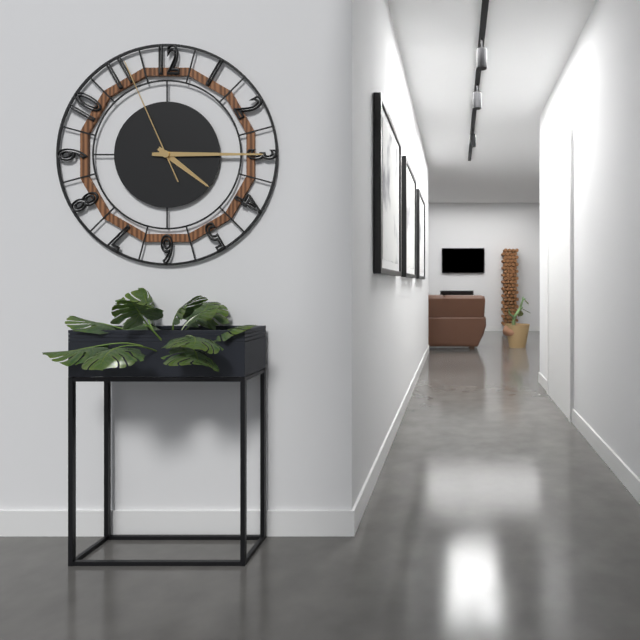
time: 4:15:56
